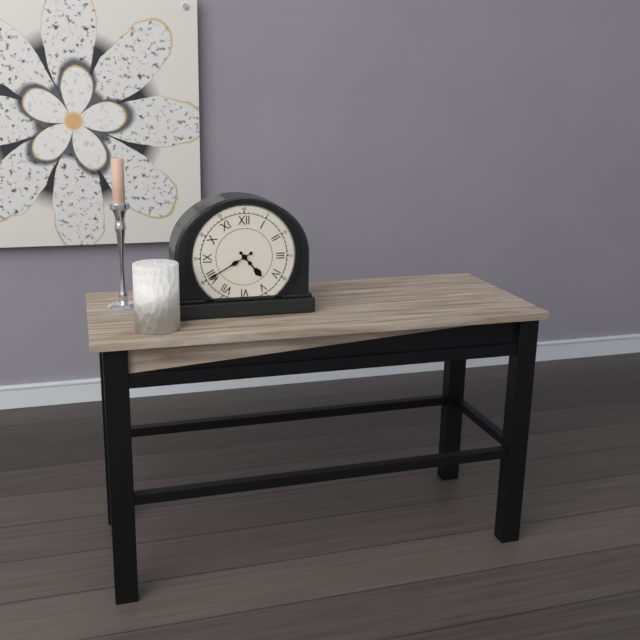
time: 4:40
